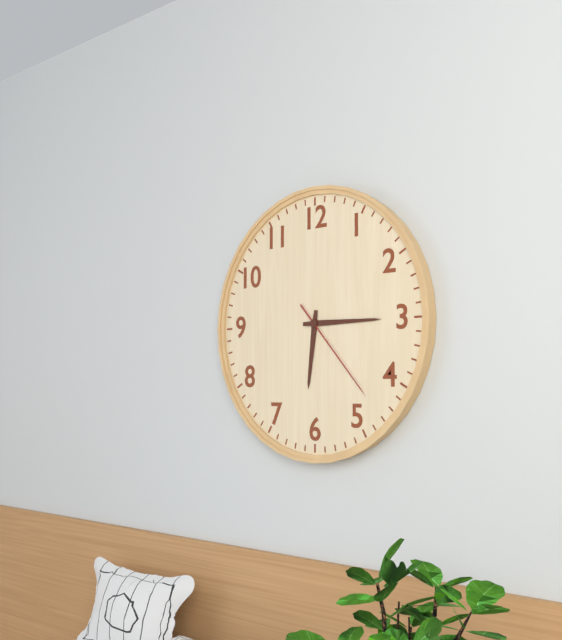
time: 6:15:23
